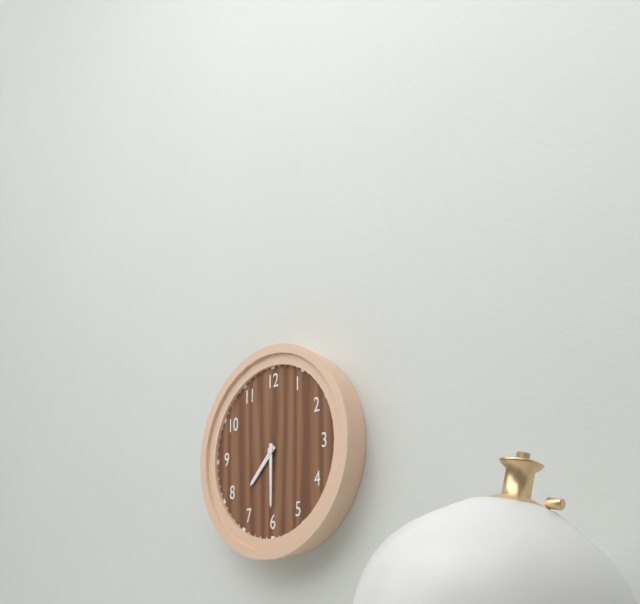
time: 7:30
